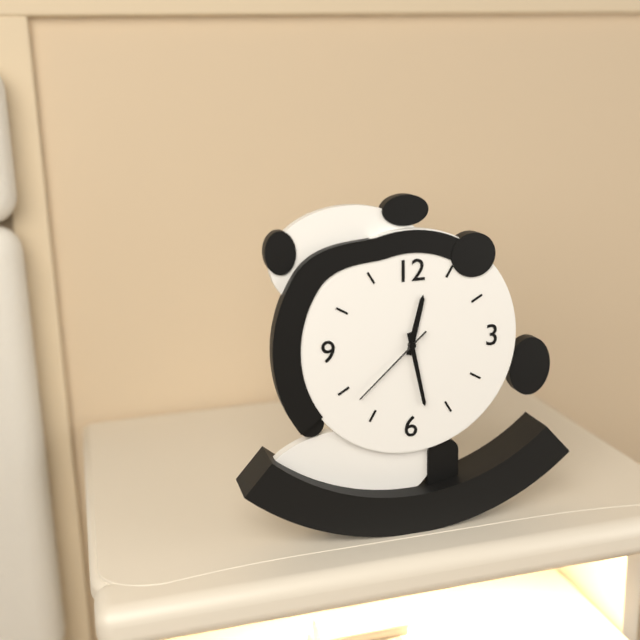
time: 12:28:38
